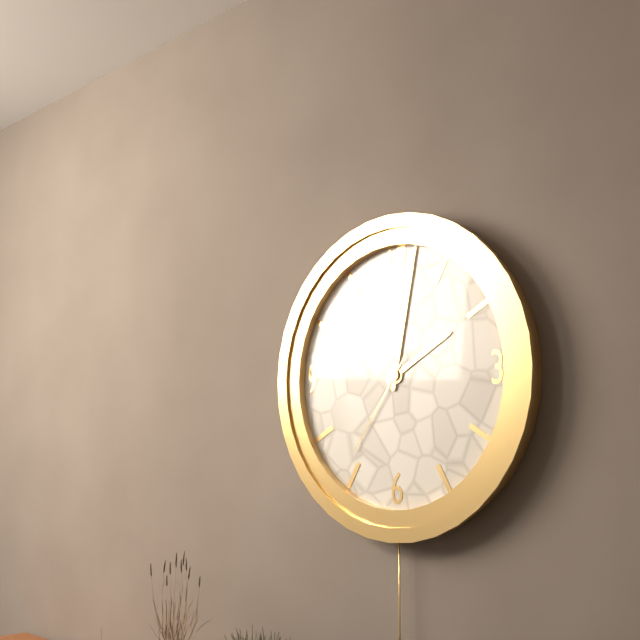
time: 2:02:36
